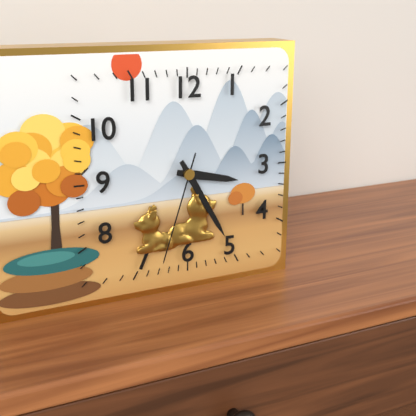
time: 3:25:33
